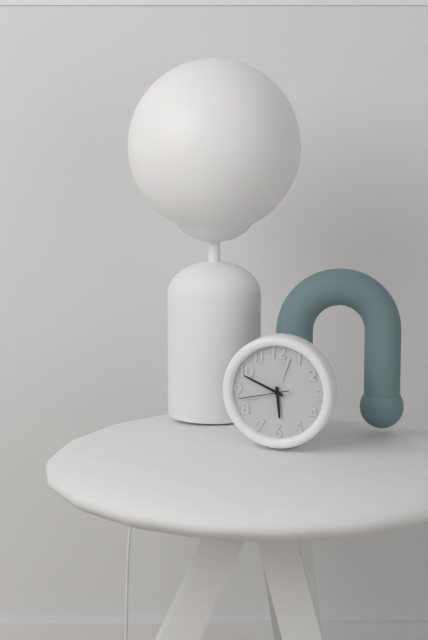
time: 5:49:43
